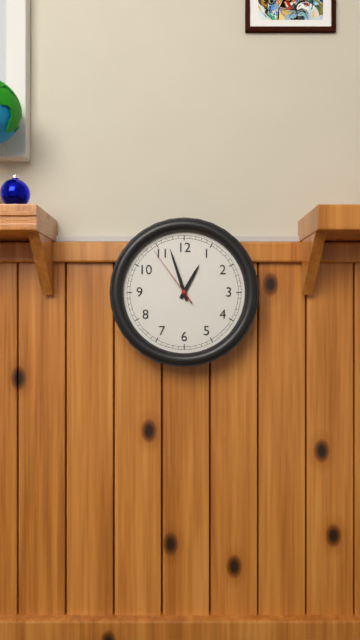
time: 12:57:54
